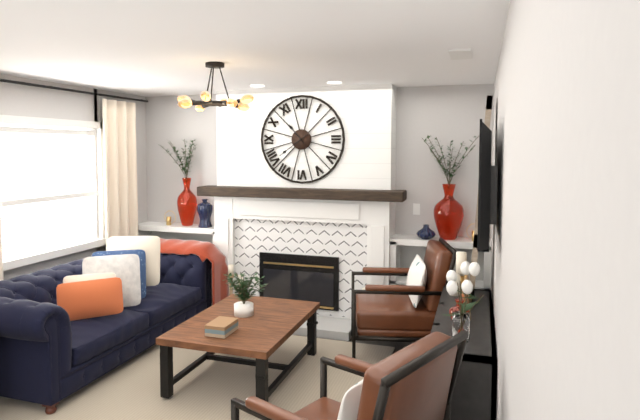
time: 10:39
